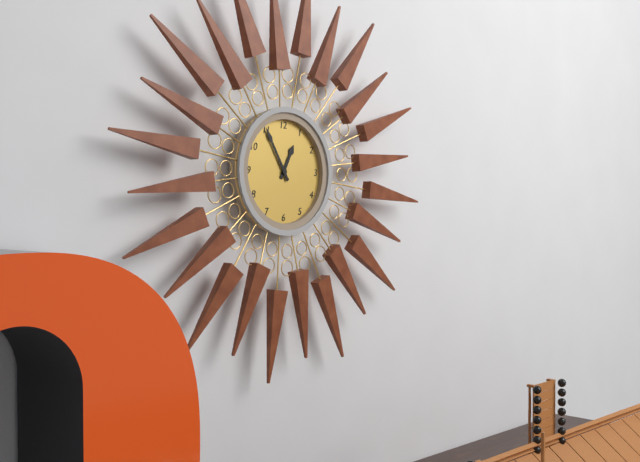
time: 12:55
